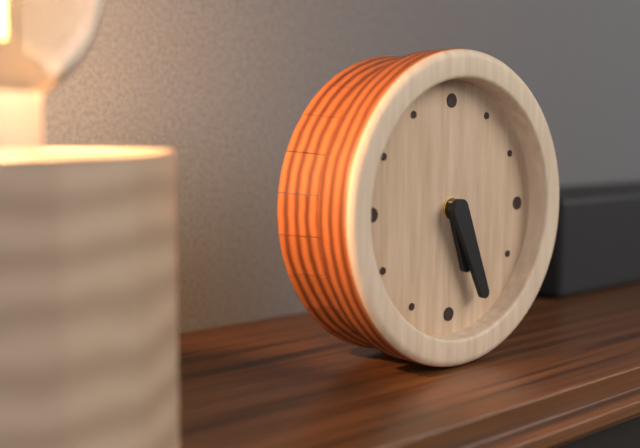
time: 5:26
